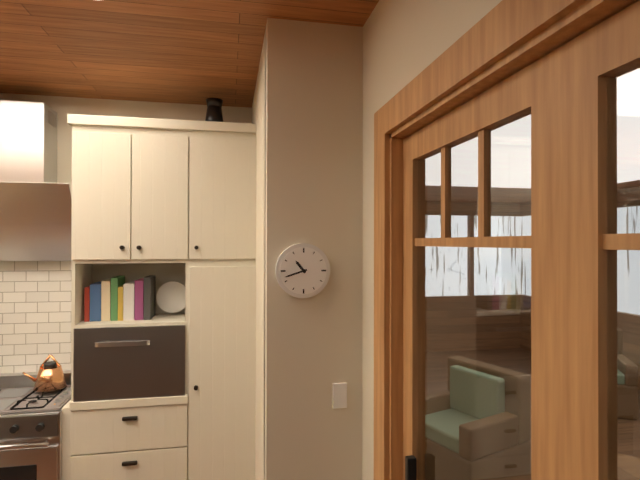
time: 10:42
